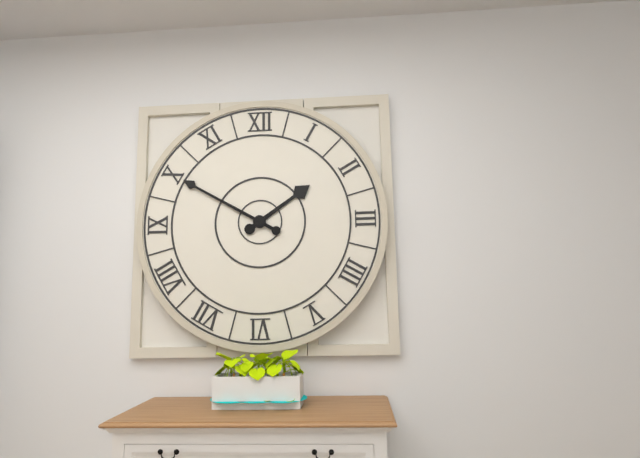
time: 1:50
